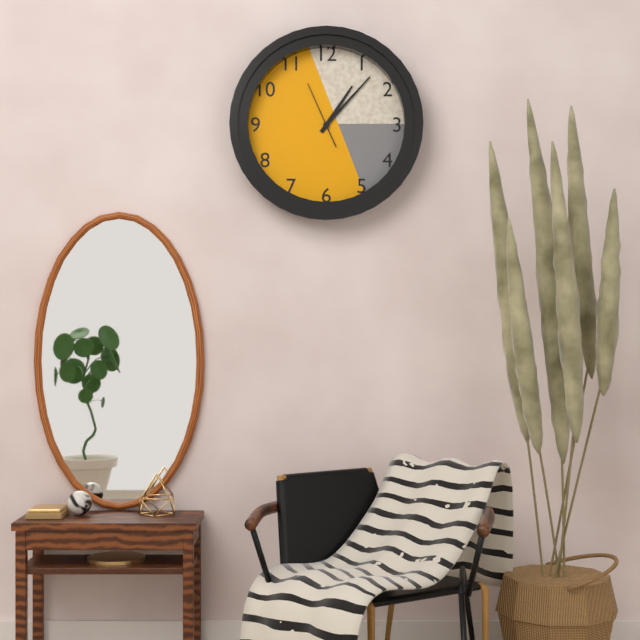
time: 1:07:56
